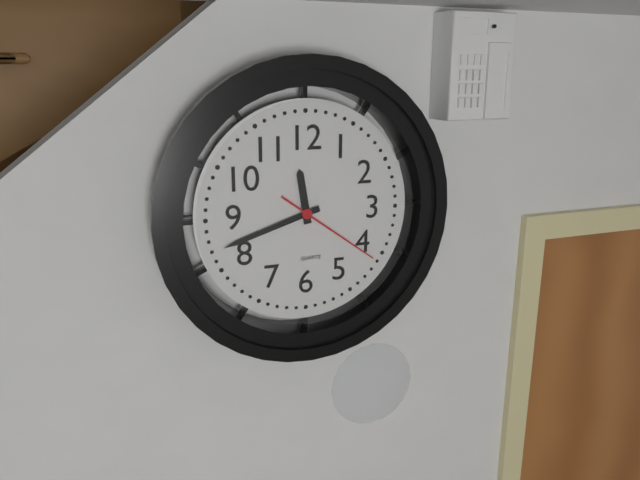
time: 11:42:21
